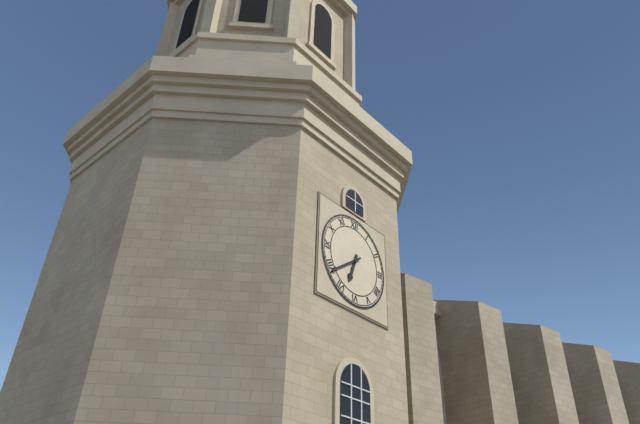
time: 6:39
